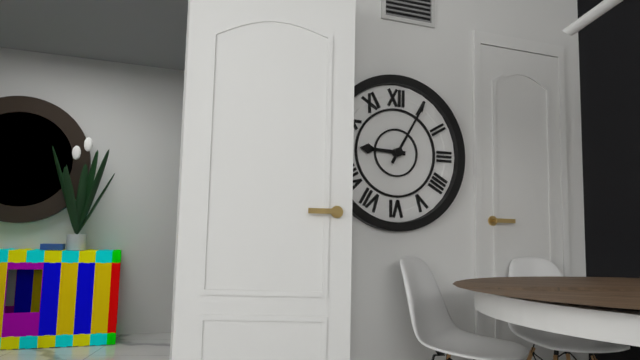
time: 9:05
